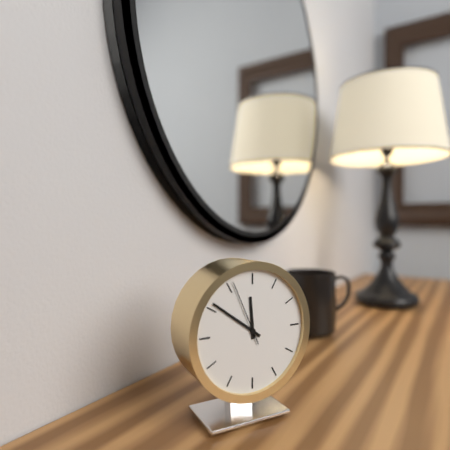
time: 11:51:56
